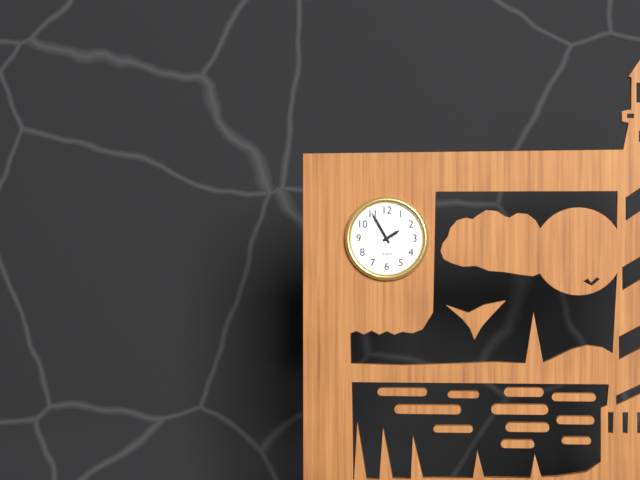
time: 1:55
